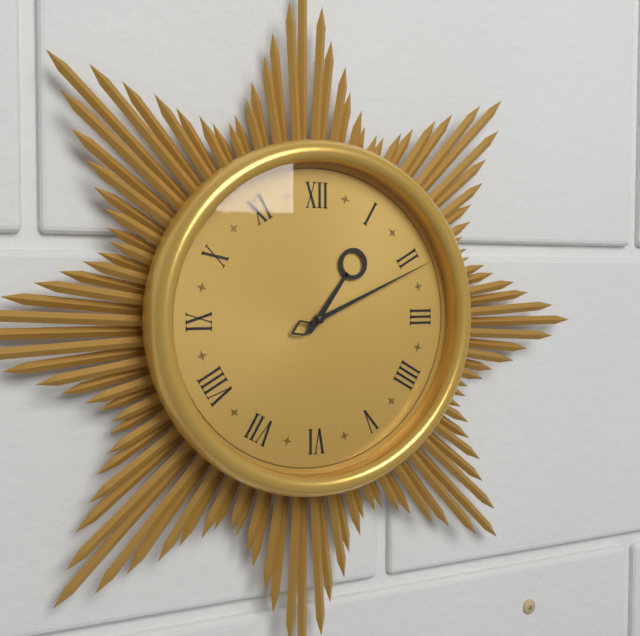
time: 1:11
